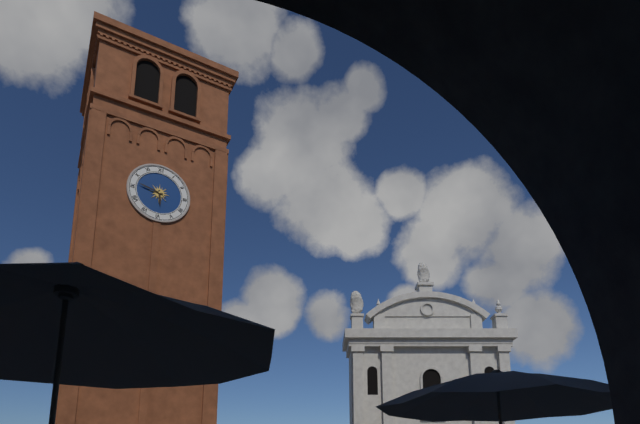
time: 5:47
